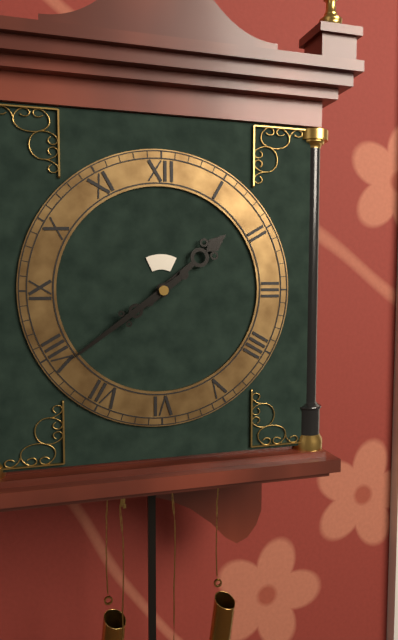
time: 1:39
